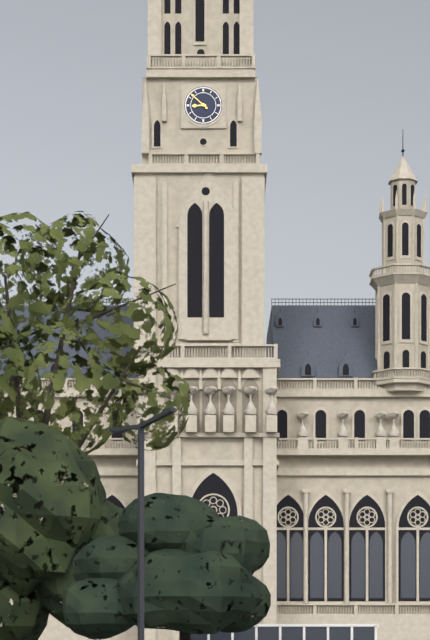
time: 8:52
